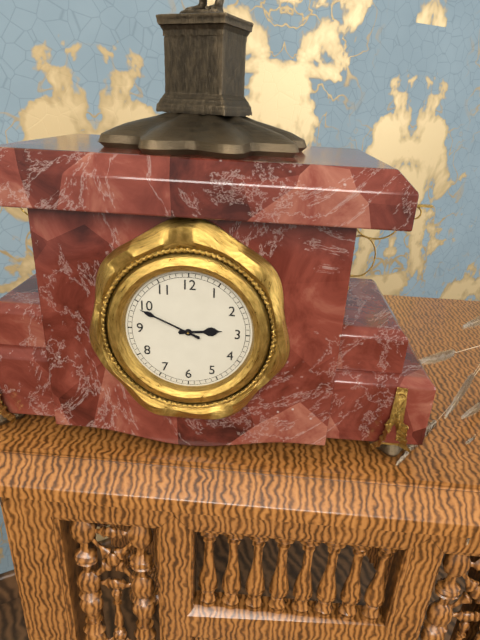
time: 2:49
